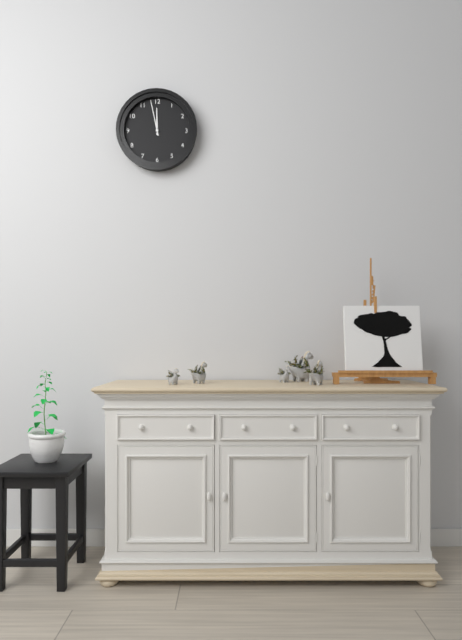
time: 11:58
